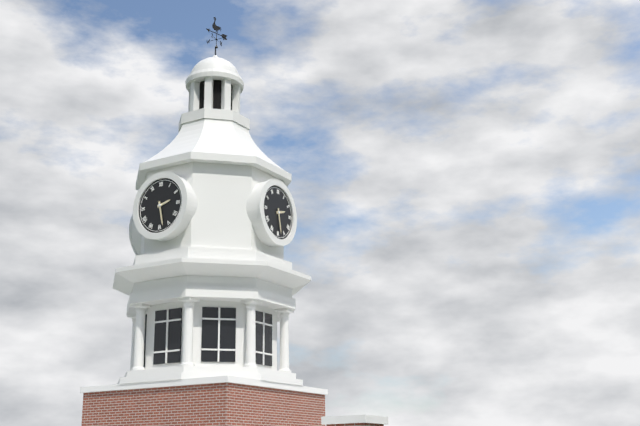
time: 2:28
